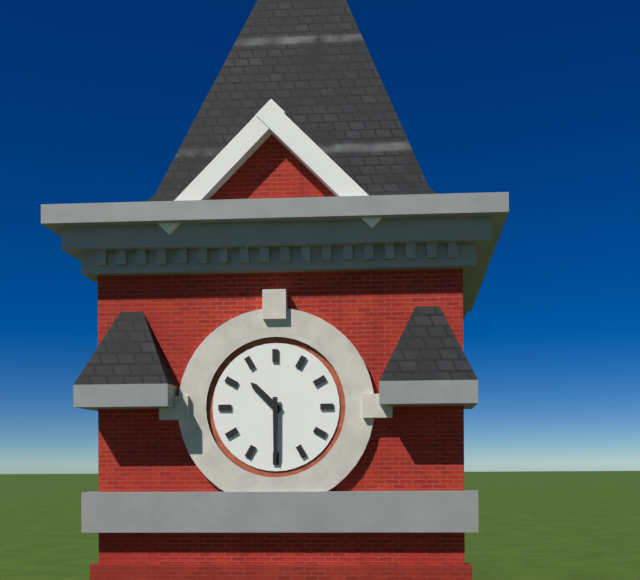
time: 10:30
